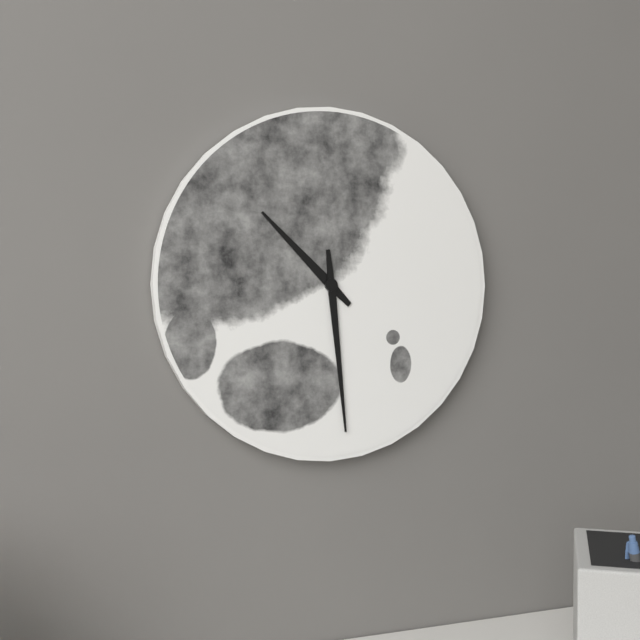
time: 10:29
